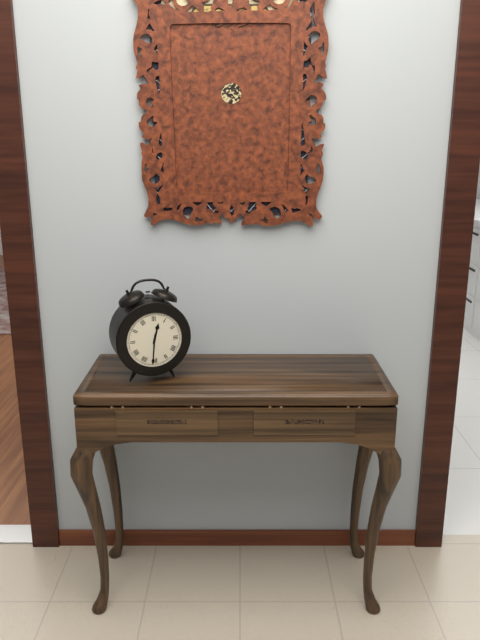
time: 12:31
